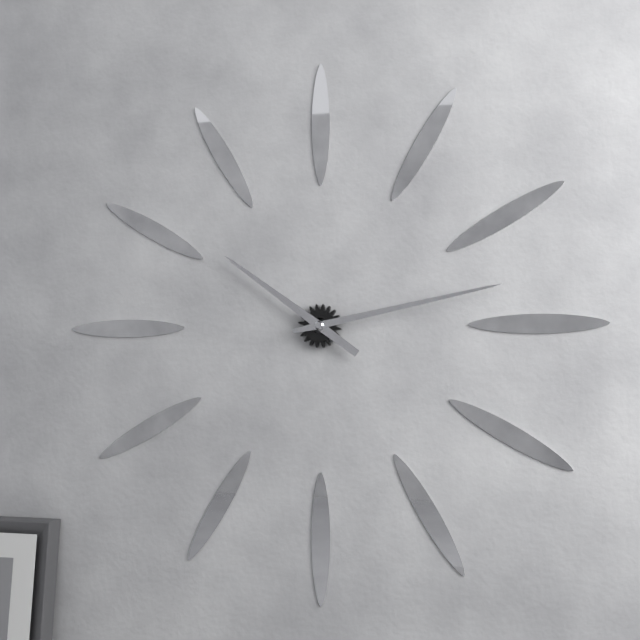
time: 10:13
